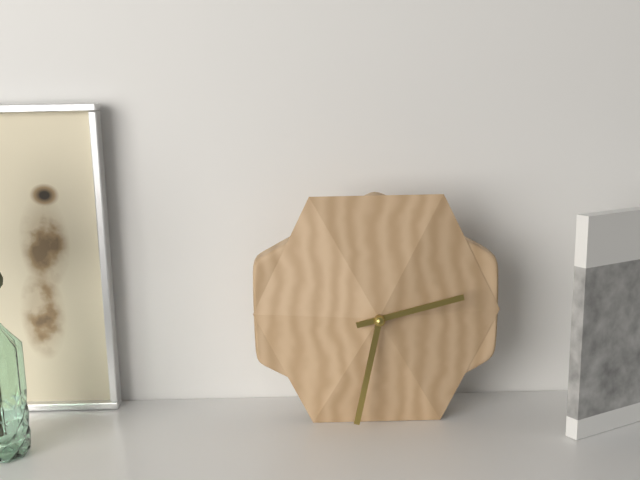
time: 2:32
